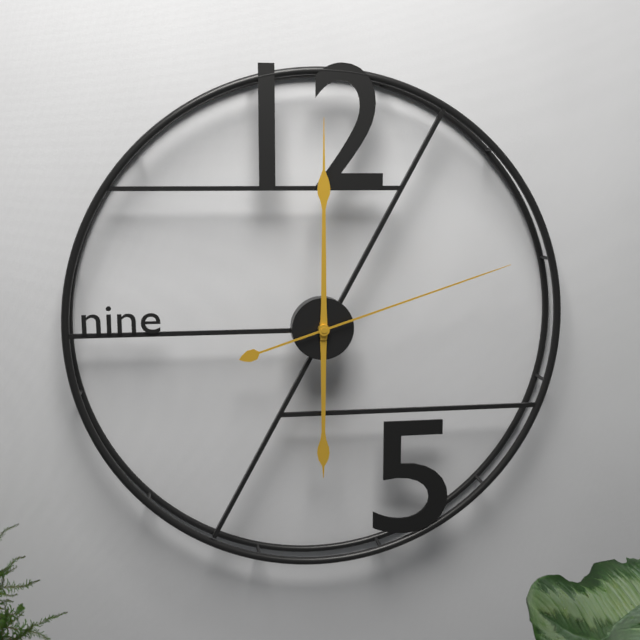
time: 6:00:12
